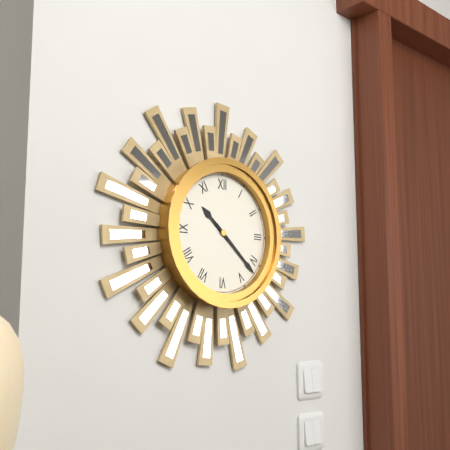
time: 10:22
